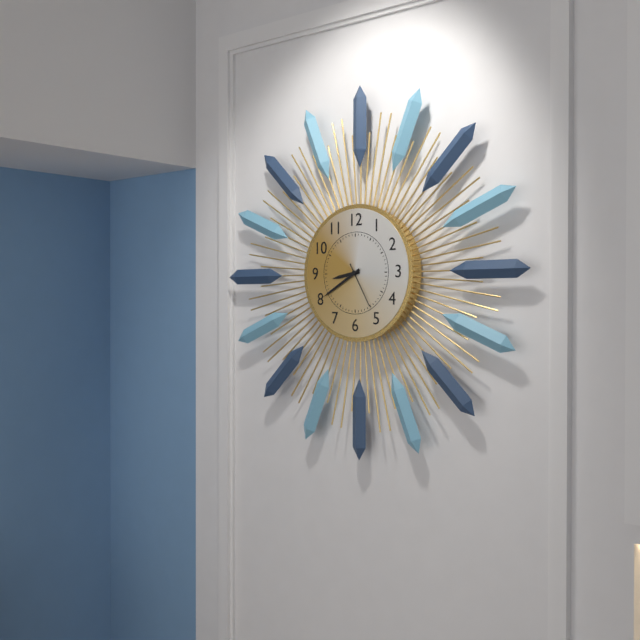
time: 8:40
